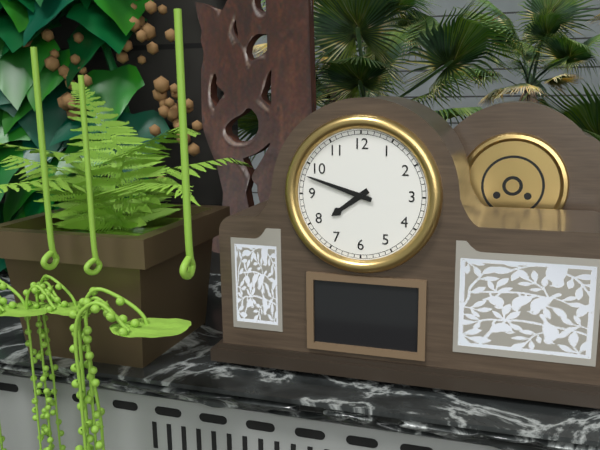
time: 7:48
